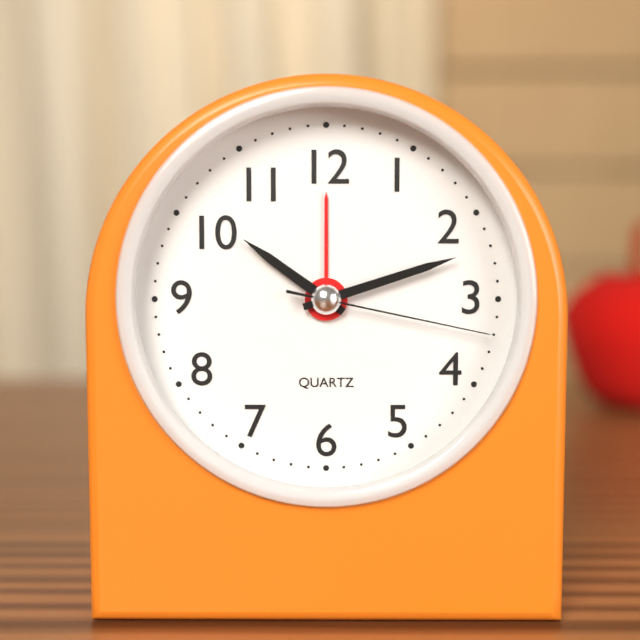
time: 10:12:17
